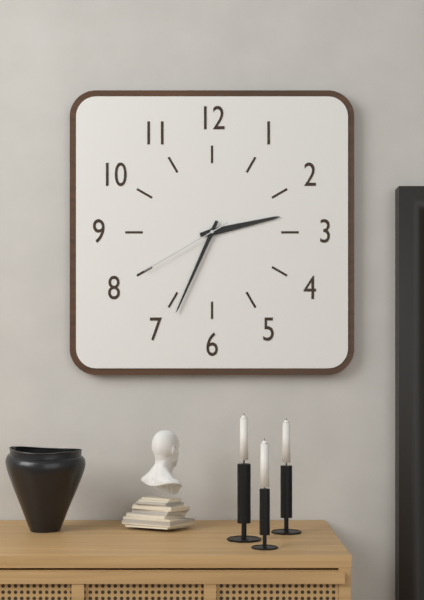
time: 2:34:40
